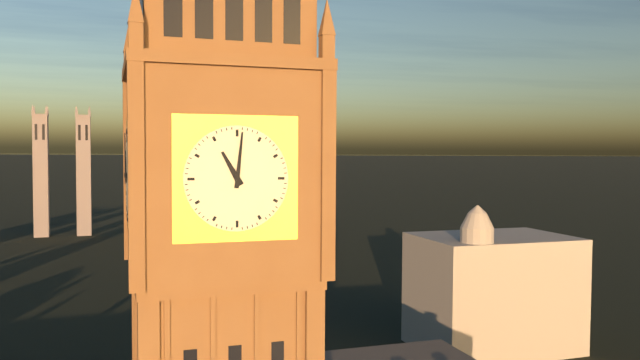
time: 11:01
